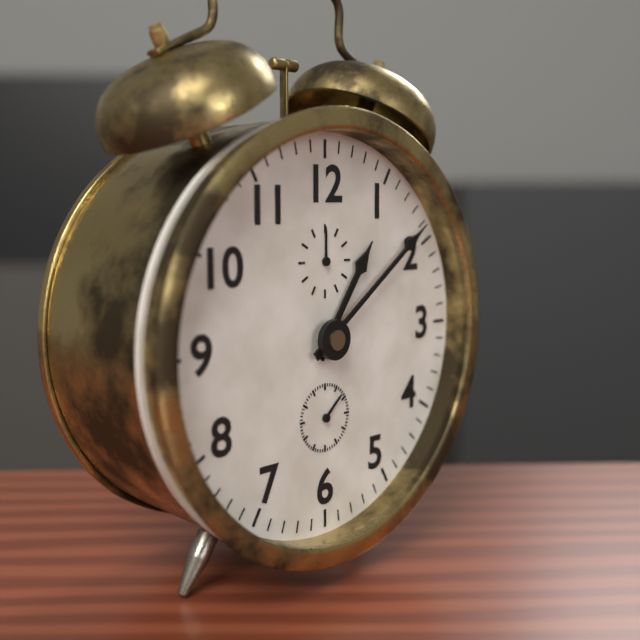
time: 1:09
